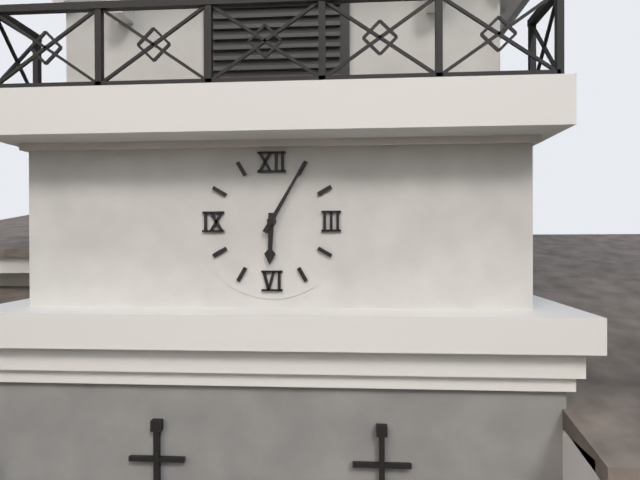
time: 6:05
